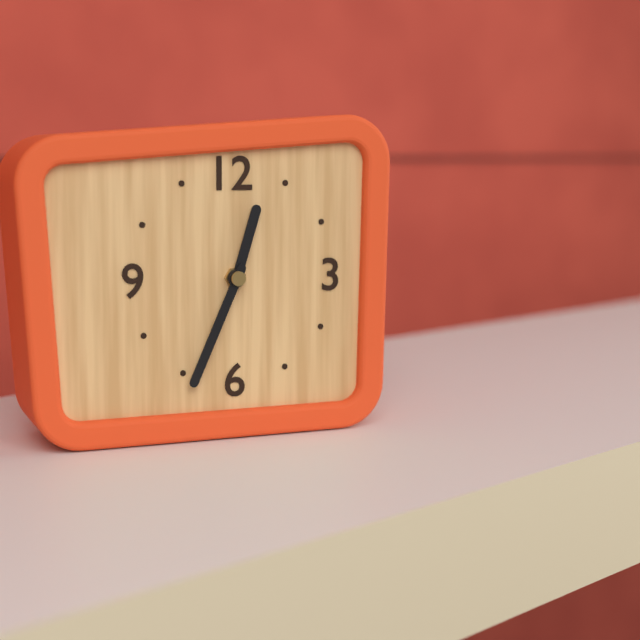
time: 12:34
